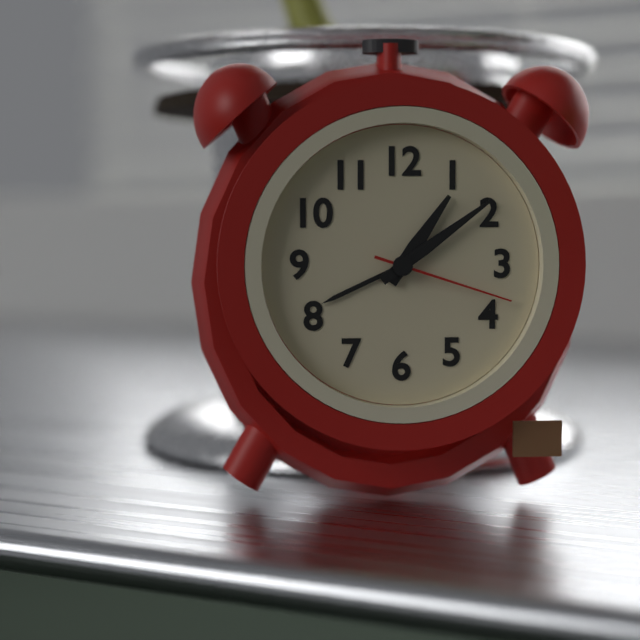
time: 1:09:18
